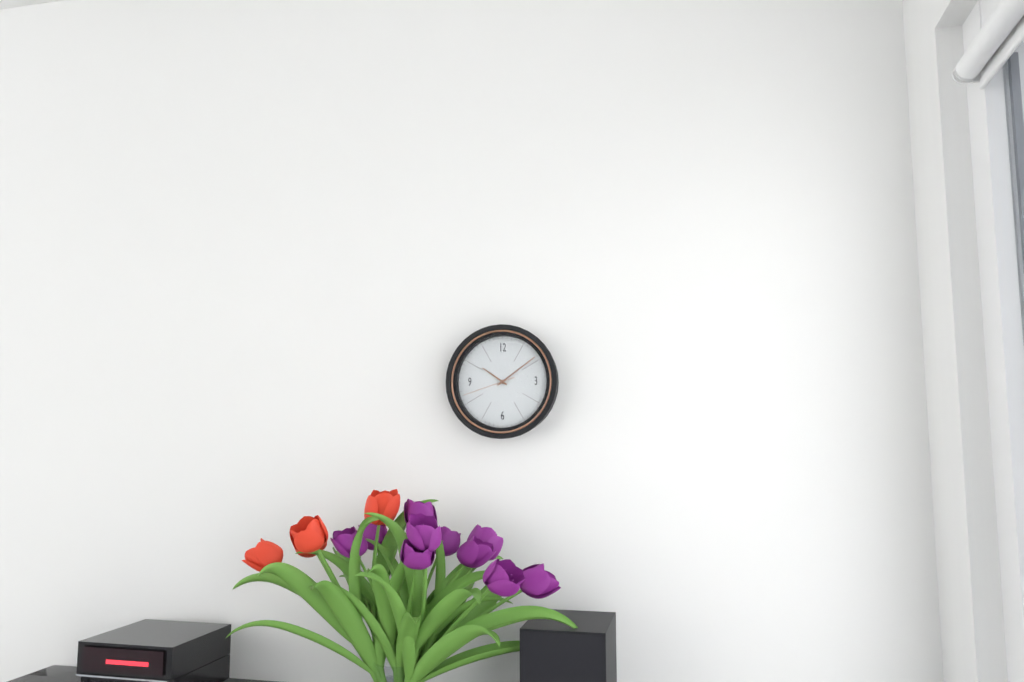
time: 10:09:42
